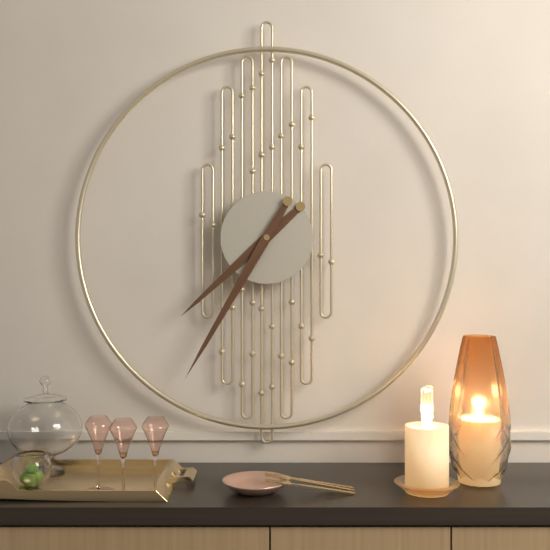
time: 7:35
